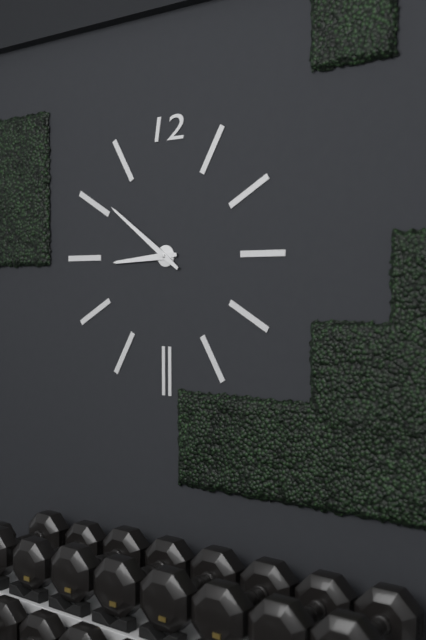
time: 8:51
